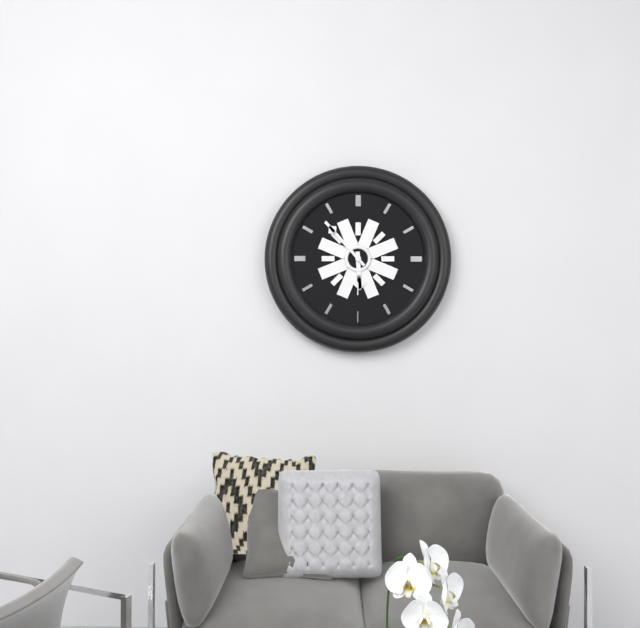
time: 5:53
